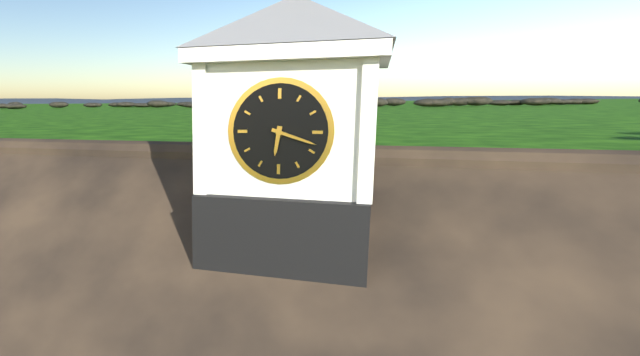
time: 6:18
